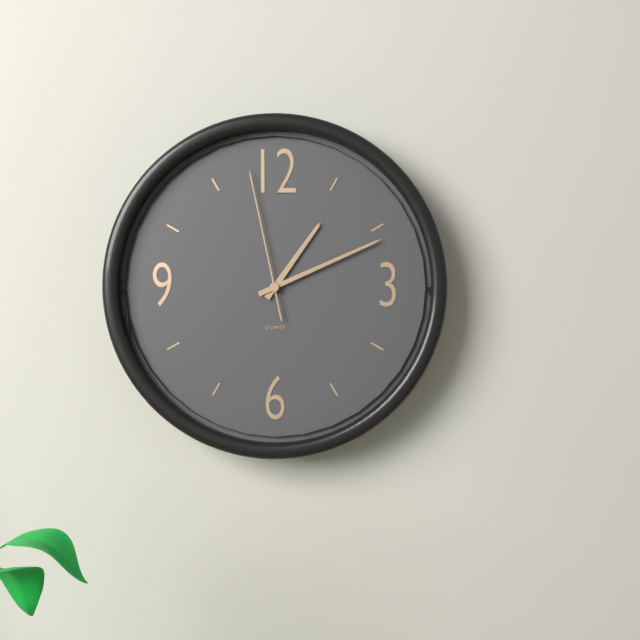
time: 1:11:58
